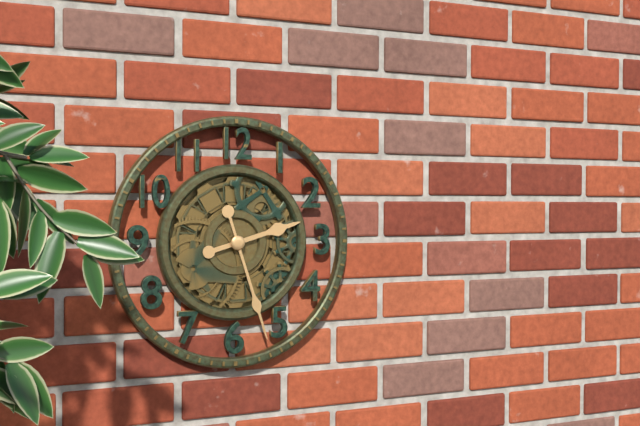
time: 2:27
